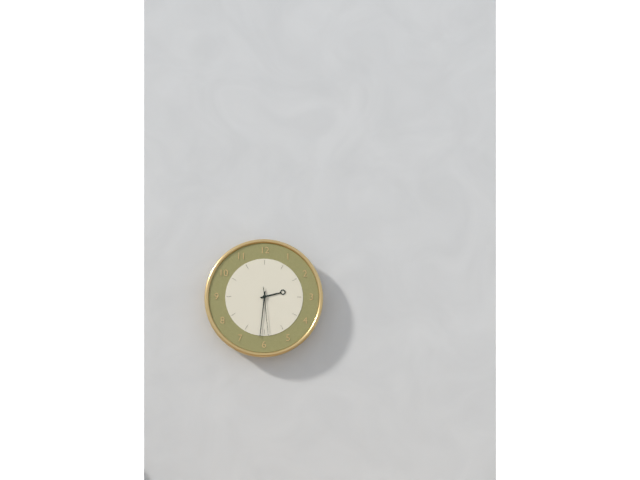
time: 2:31
